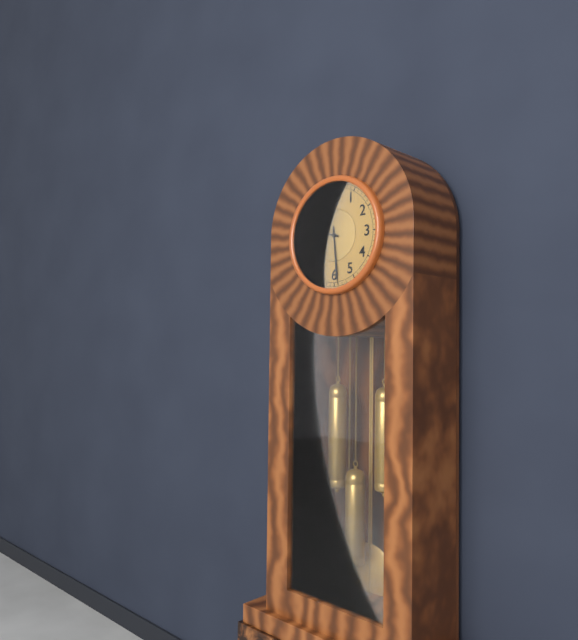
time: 9:29
